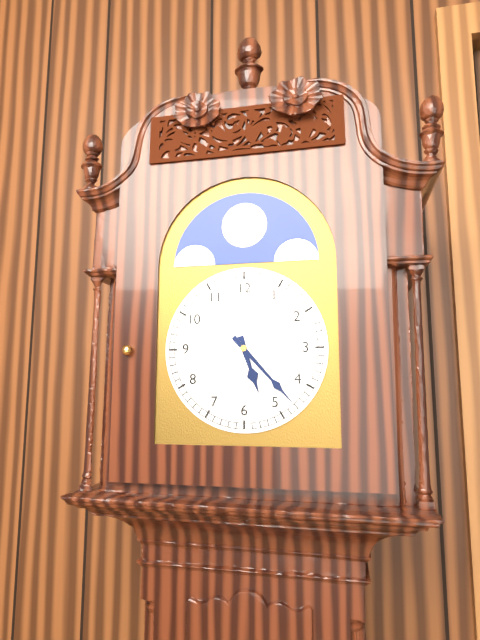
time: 5:23
